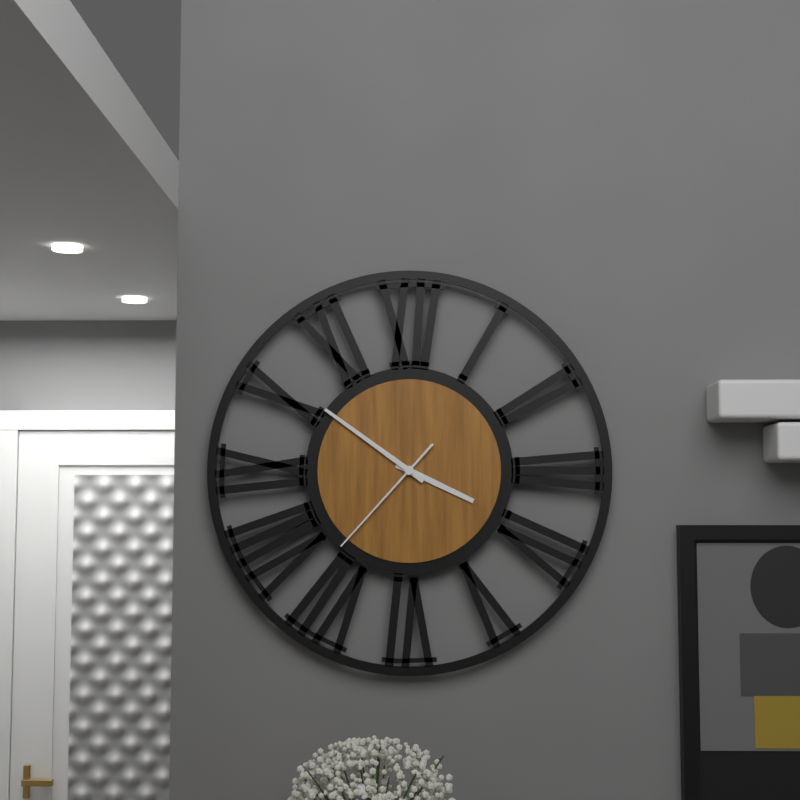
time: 3:51:37
